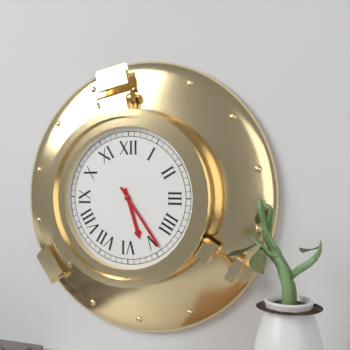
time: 5:24
